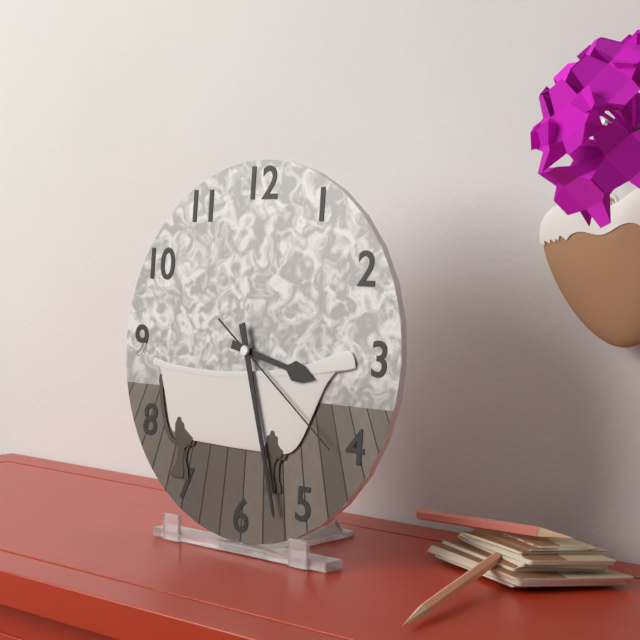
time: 3:27:21
